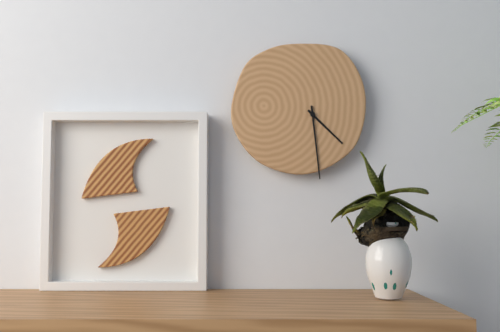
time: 4:29
